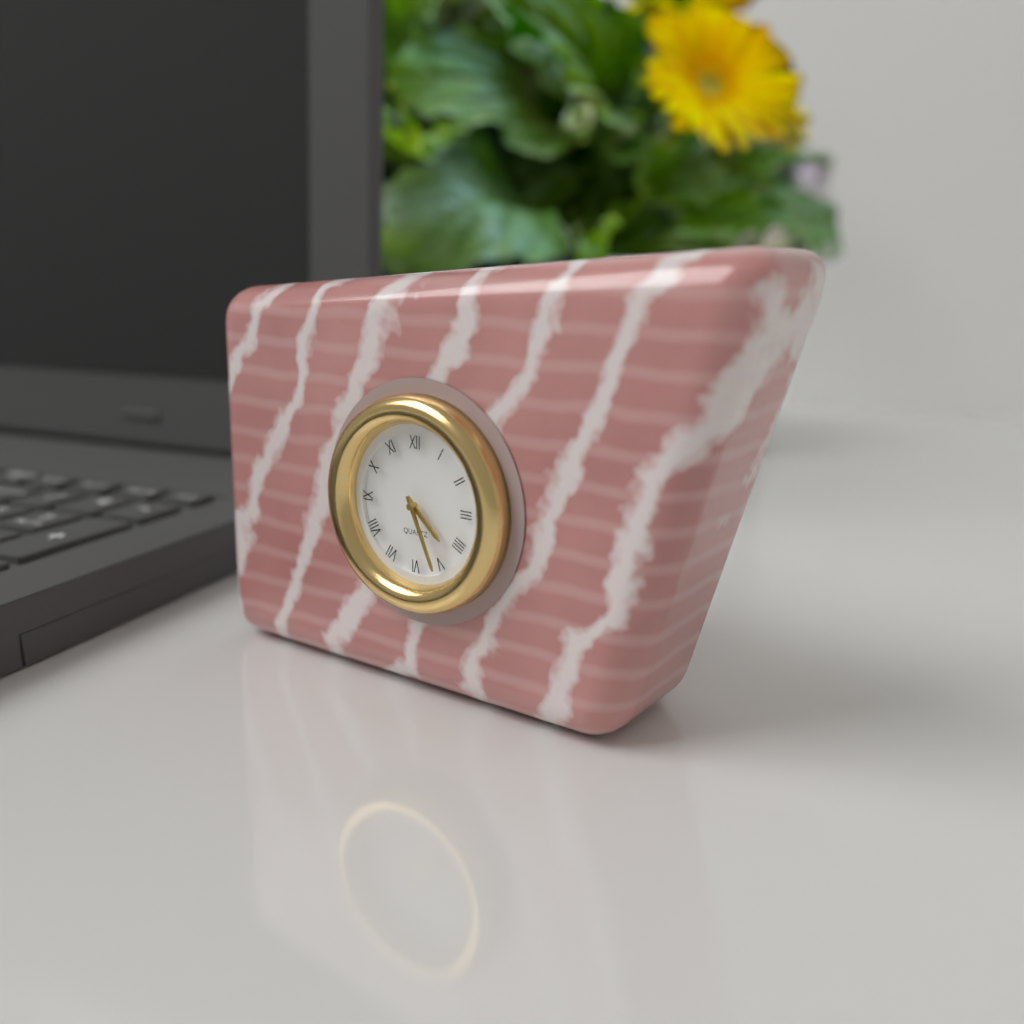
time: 4:26
